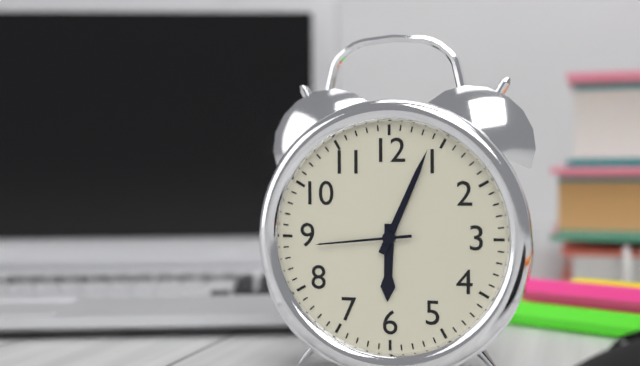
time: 6:04:44
